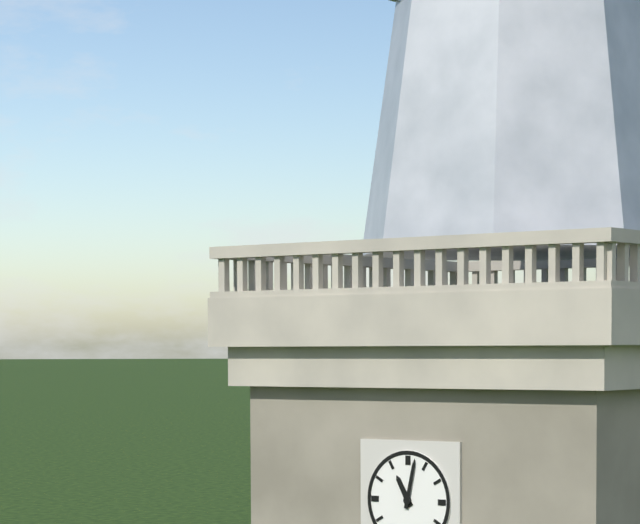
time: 11:02
